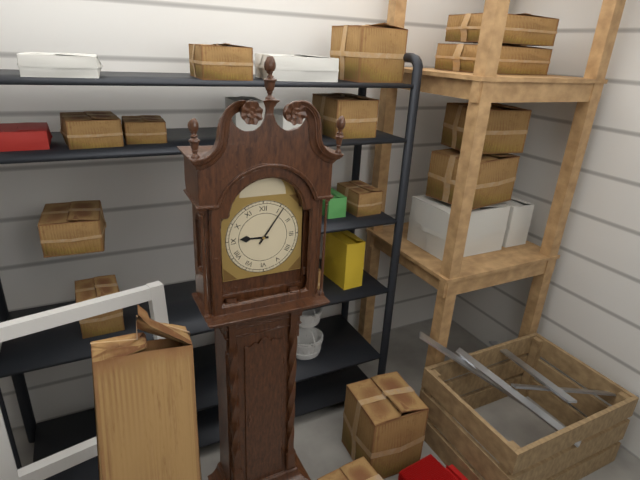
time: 9:06
